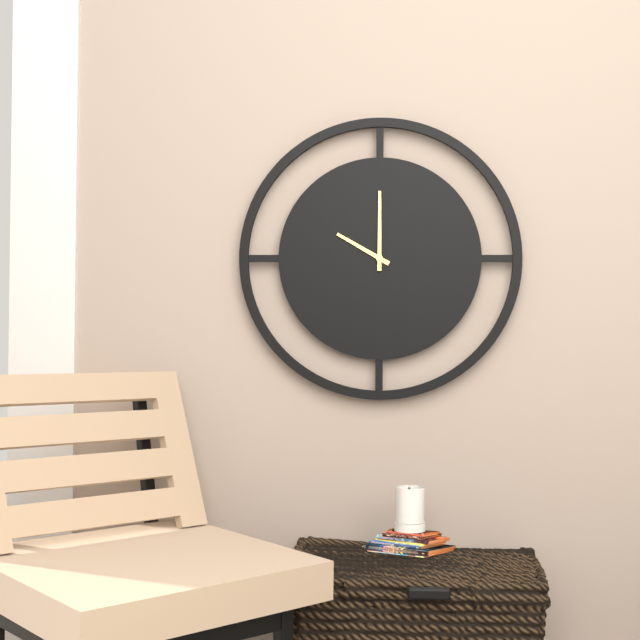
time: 10:00
